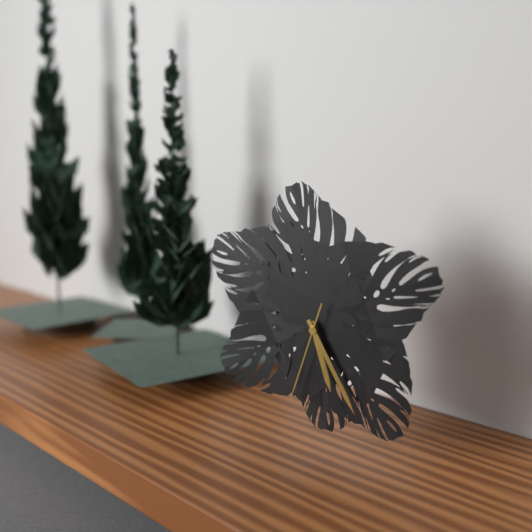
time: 5:25:33
